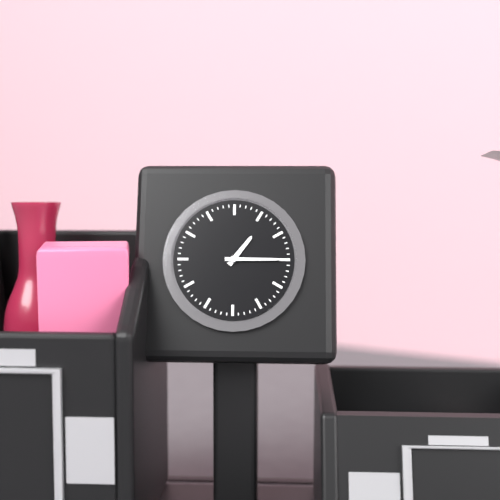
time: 1:15
